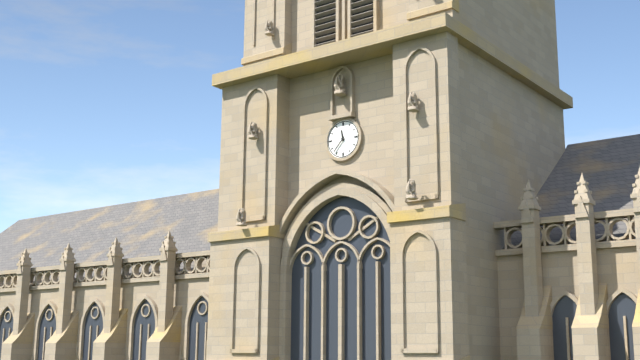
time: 11:37
